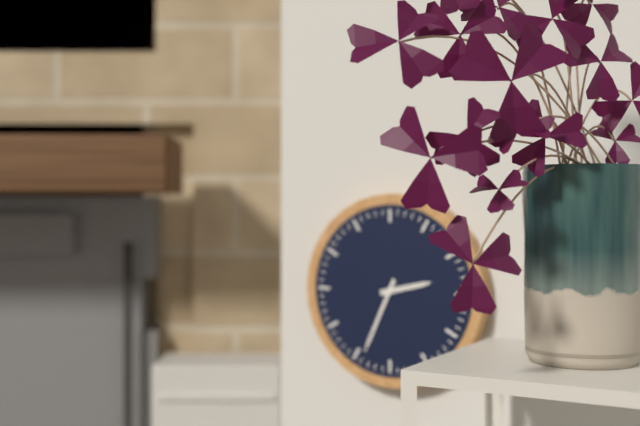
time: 2:34
